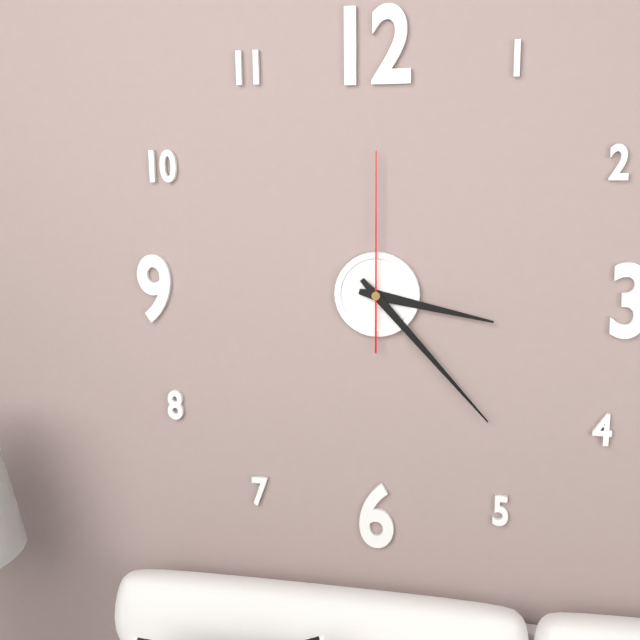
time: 3:23:00
